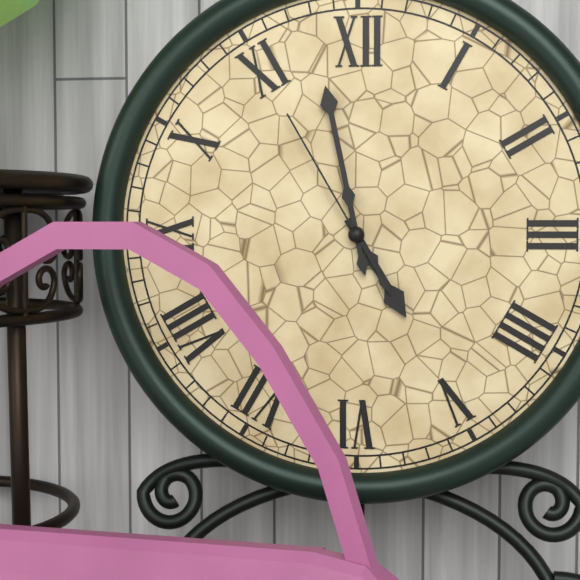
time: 4:58:55
